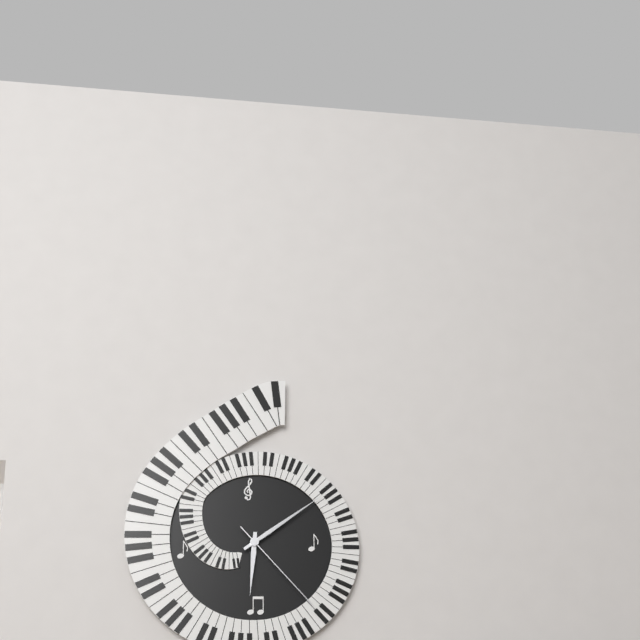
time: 6:09:23
